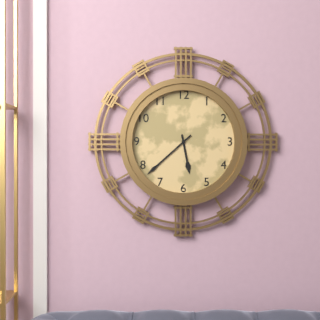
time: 5:38
